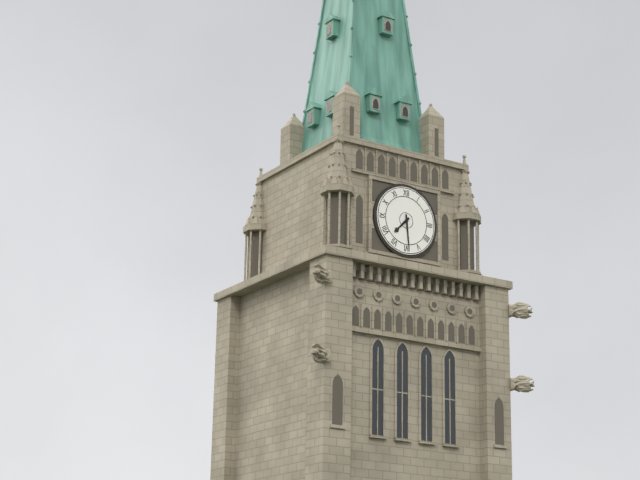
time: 7:29
